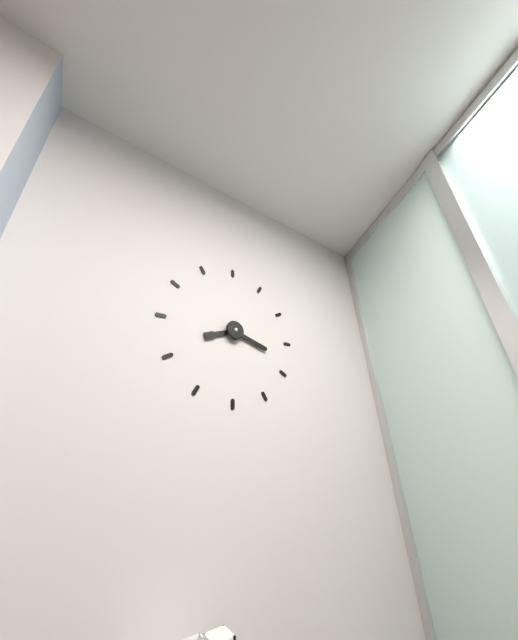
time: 8:18
